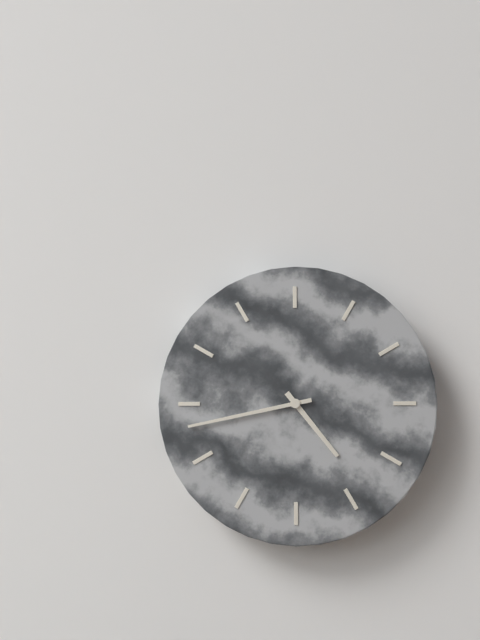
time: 4:43
